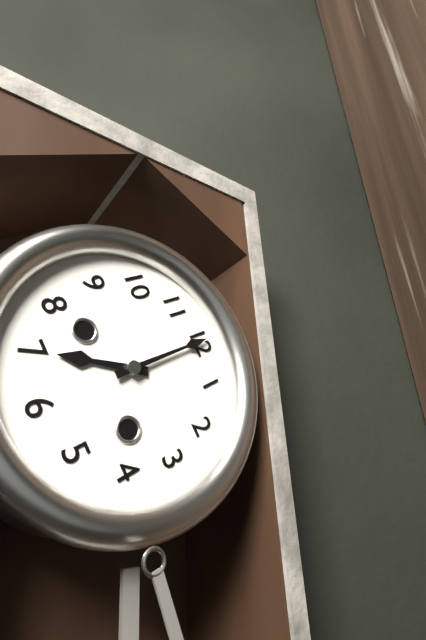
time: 7:00
